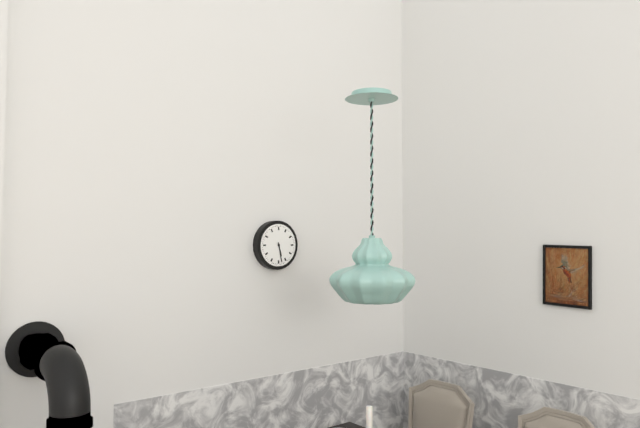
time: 5:28
